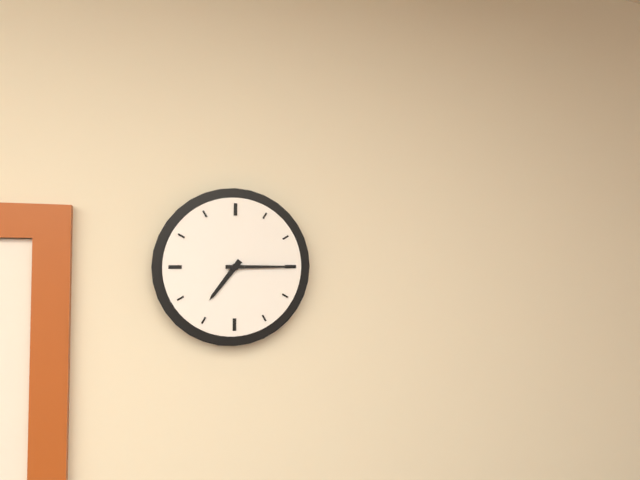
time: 7:15
